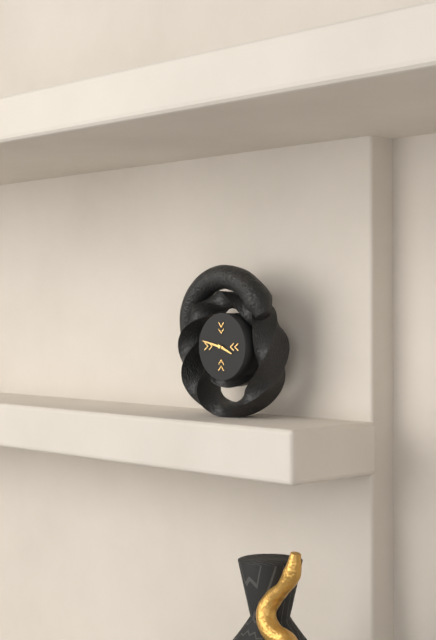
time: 3:47
